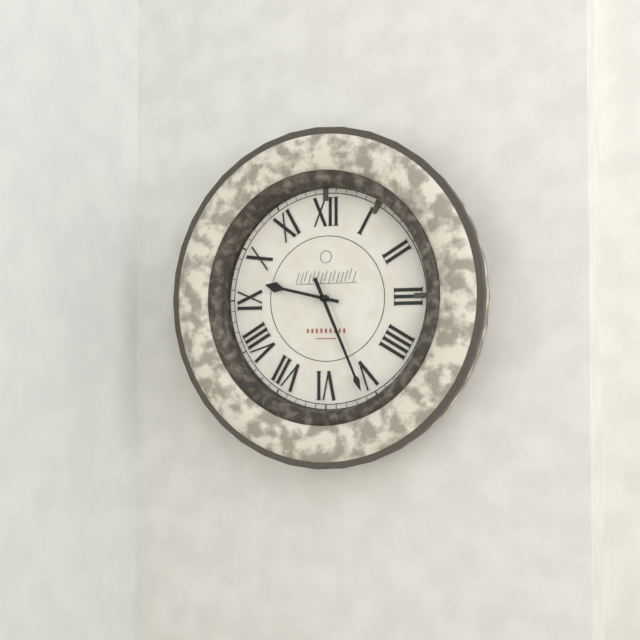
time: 9:26
